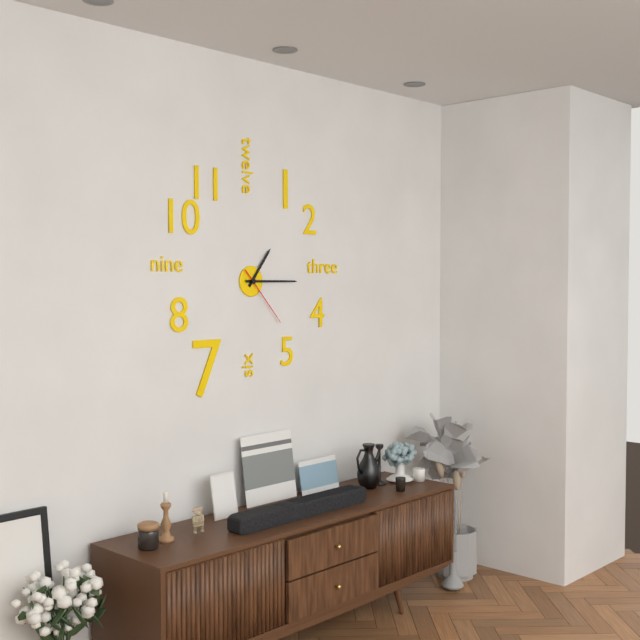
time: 1:15:23
